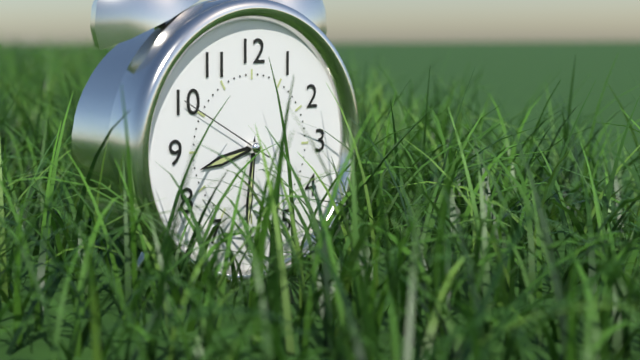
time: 8:31:50
